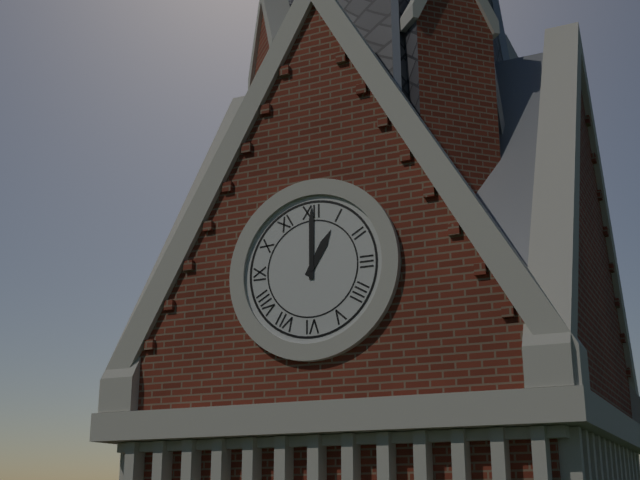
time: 1:00
